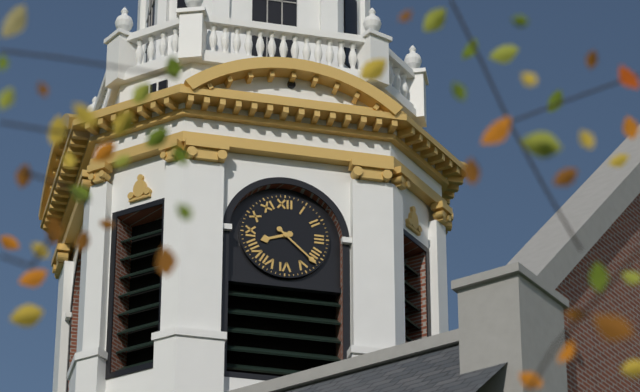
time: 8:22
